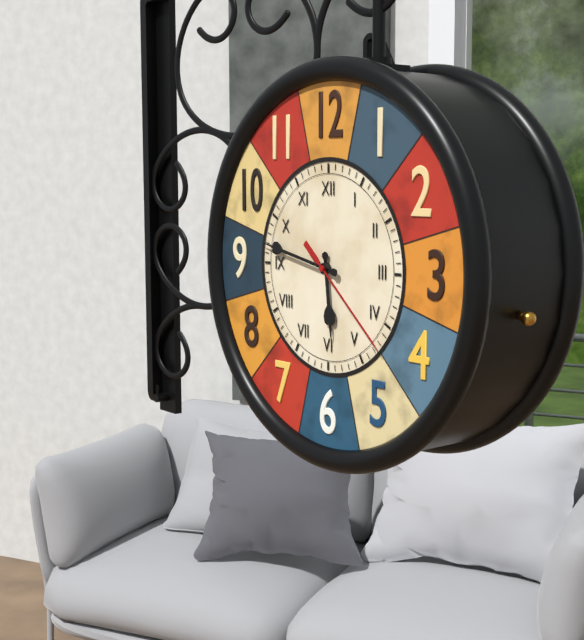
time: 5:47:22
